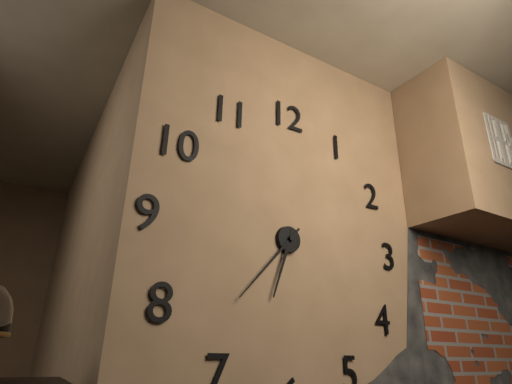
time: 6:37
